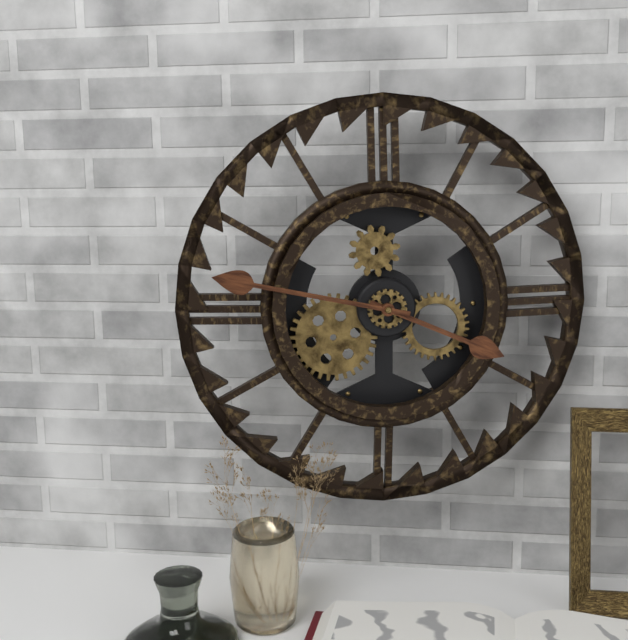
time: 3:47
